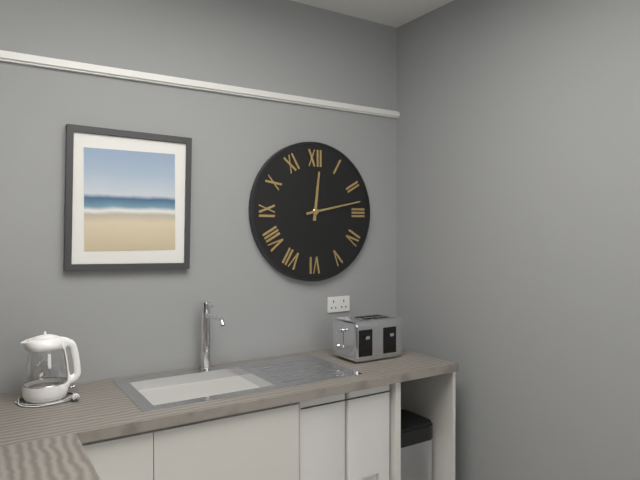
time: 12:13
